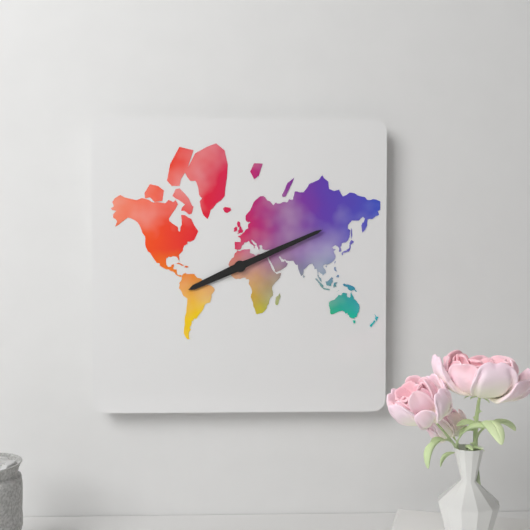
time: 8:11
